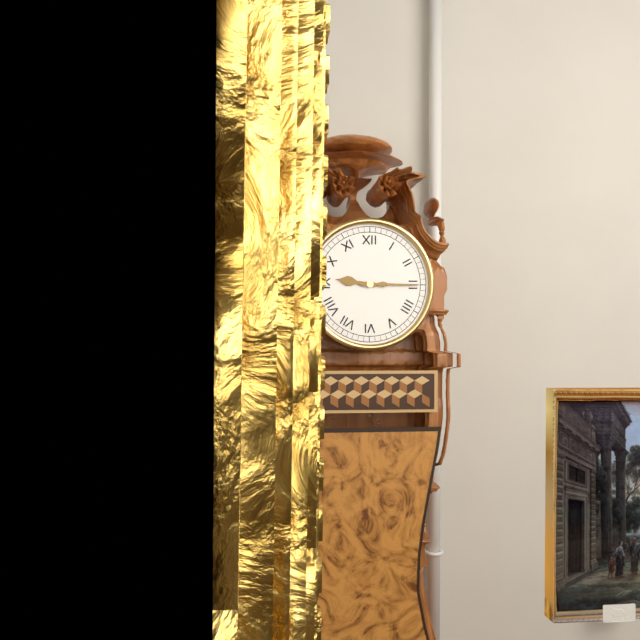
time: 9:15
